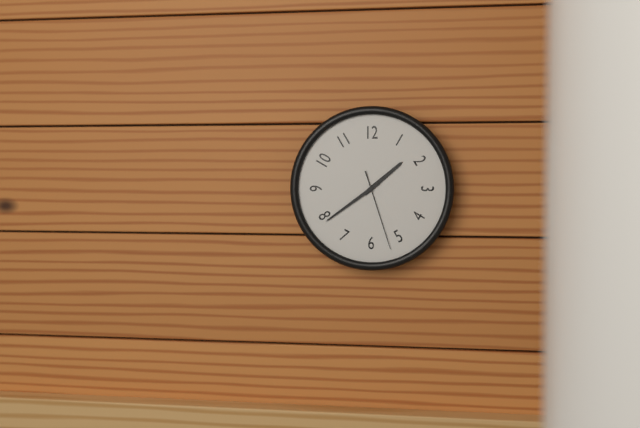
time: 1:39:27
